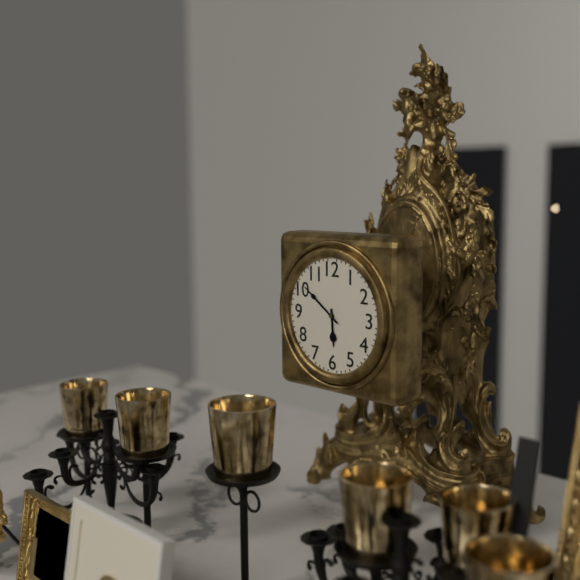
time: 5:51
